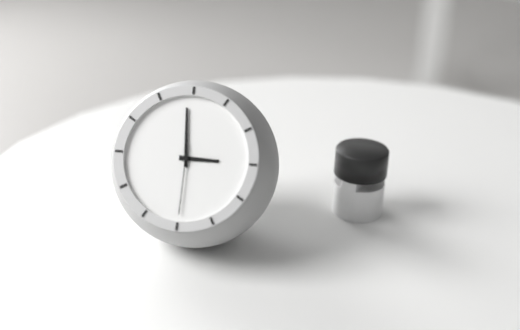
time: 2:59:30
